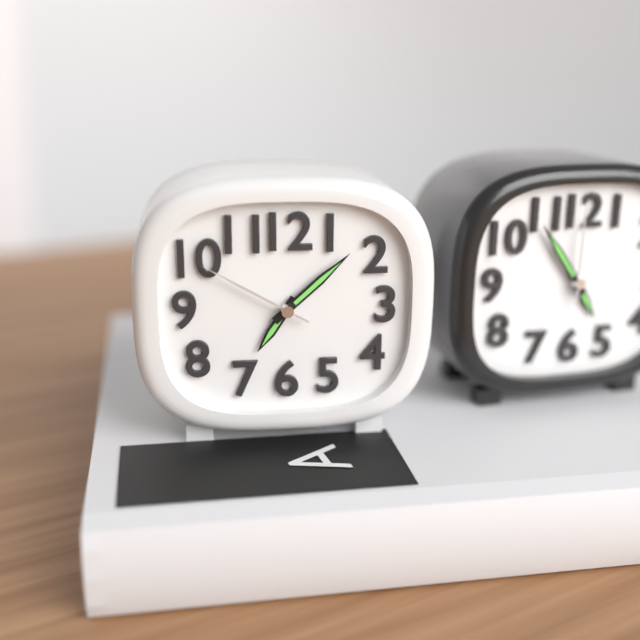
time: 7:08:50
